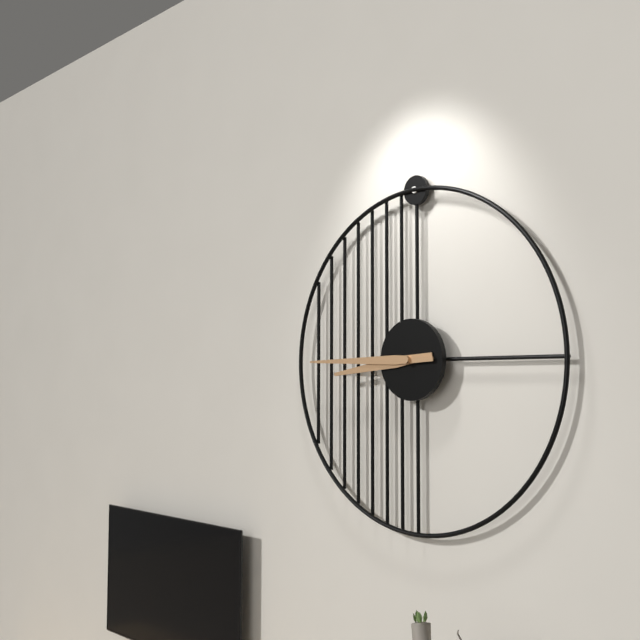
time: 8:45
